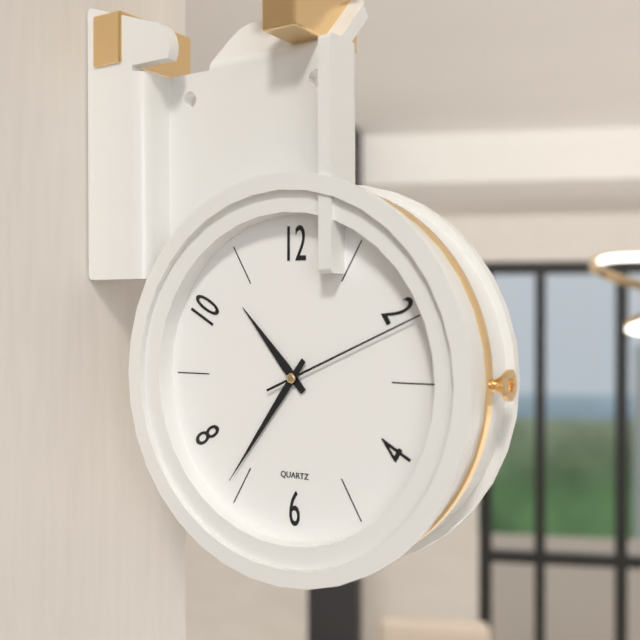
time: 10:36:11
